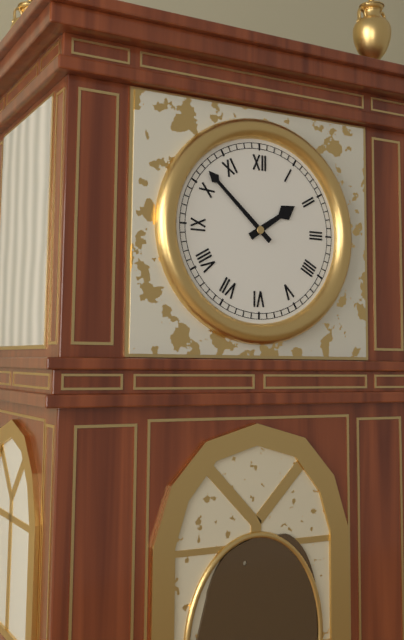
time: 1:52
